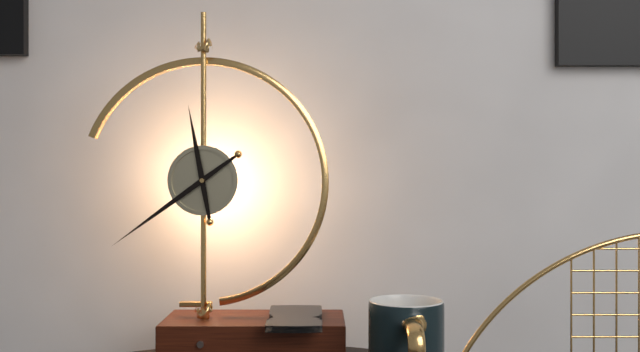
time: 11:39
